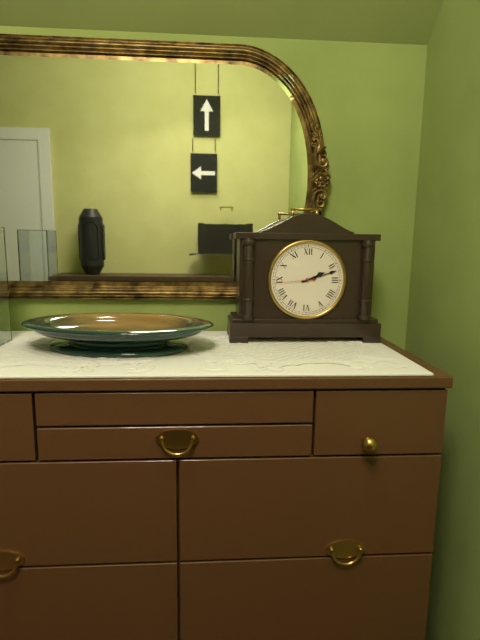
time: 2:12
